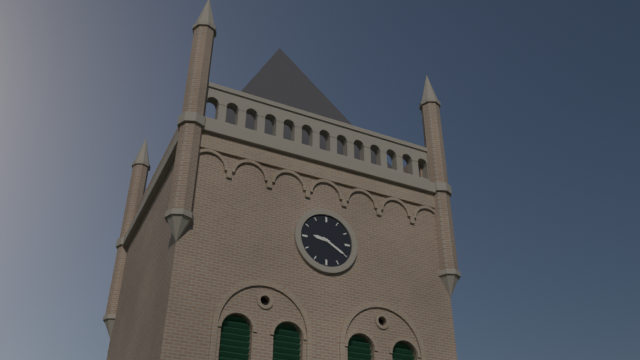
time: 9:20
